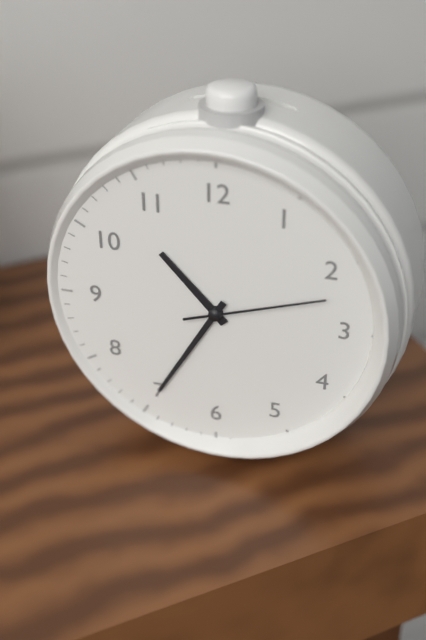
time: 10:35:12
